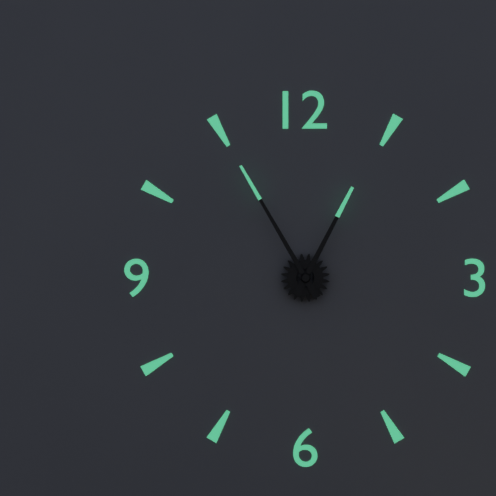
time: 12:55
